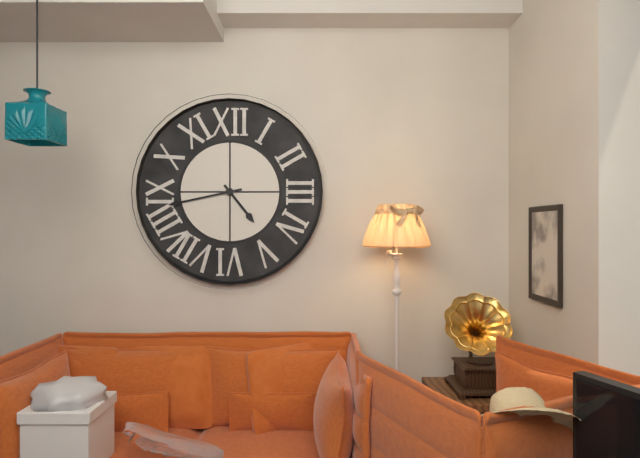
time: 4:43
